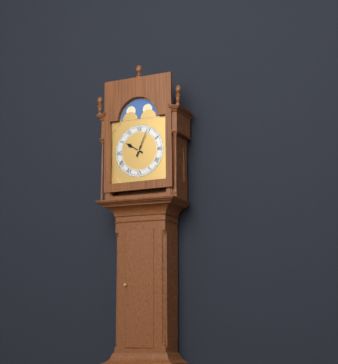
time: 10:04
